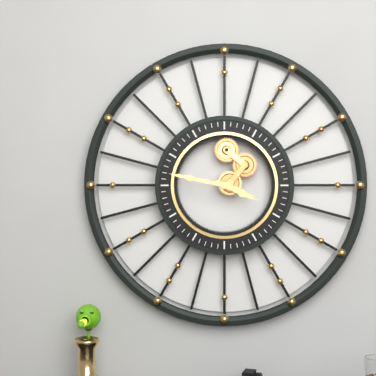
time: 3:47
